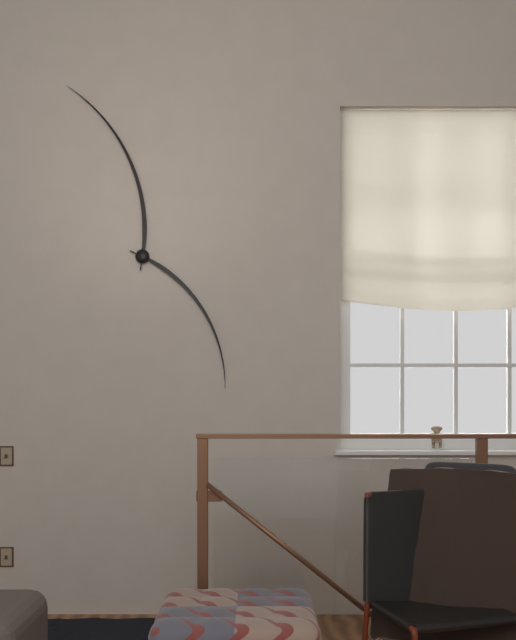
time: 4:56
